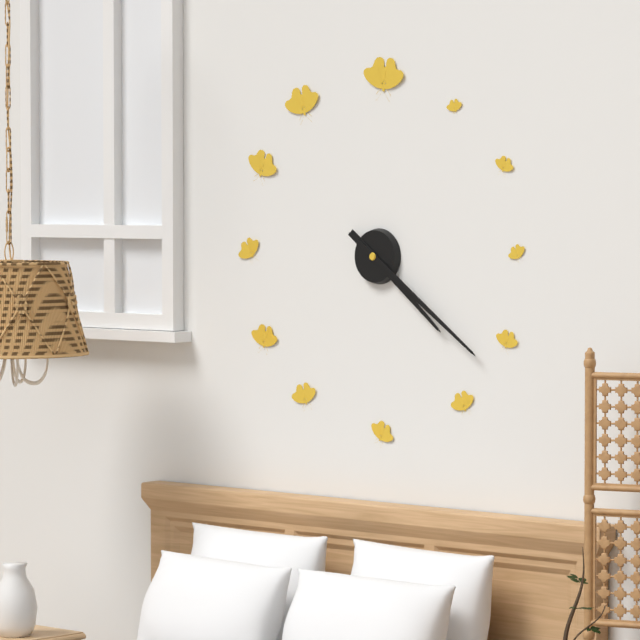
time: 4:21
